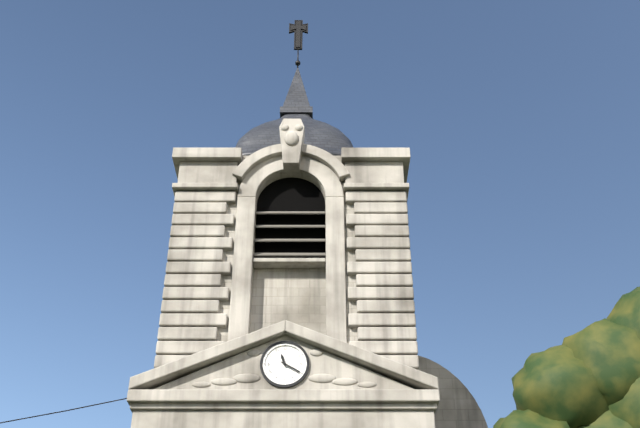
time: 11:20
